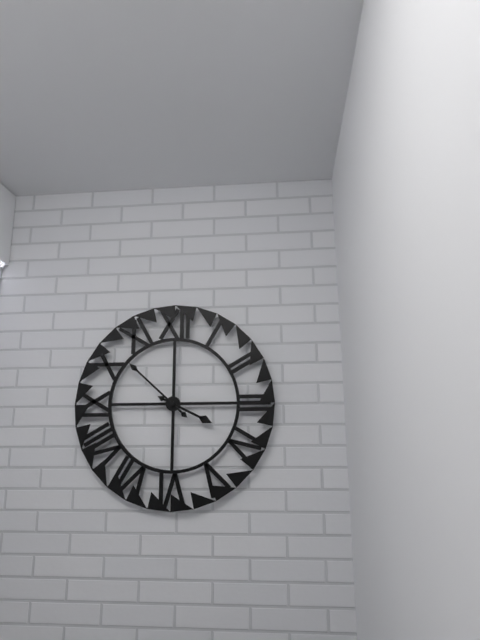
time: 3:52
